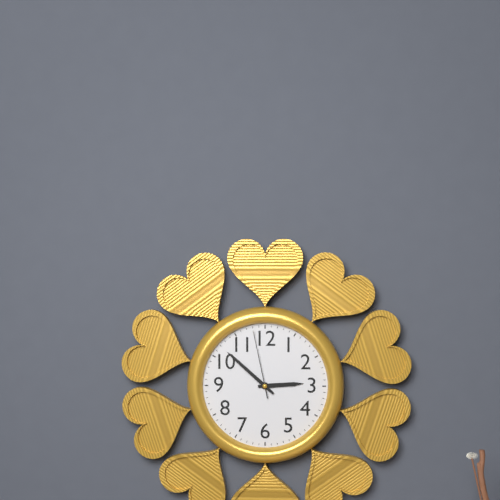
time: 2:52:58
